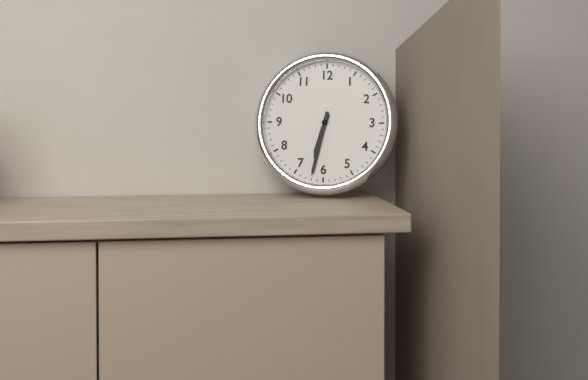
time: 6:32
